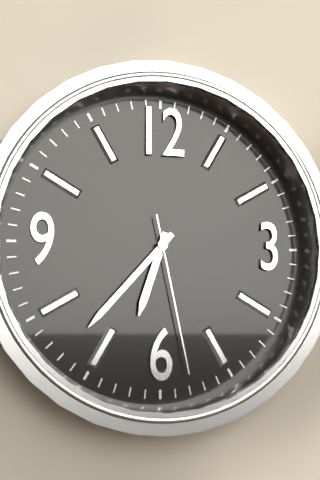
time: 6:37:28
